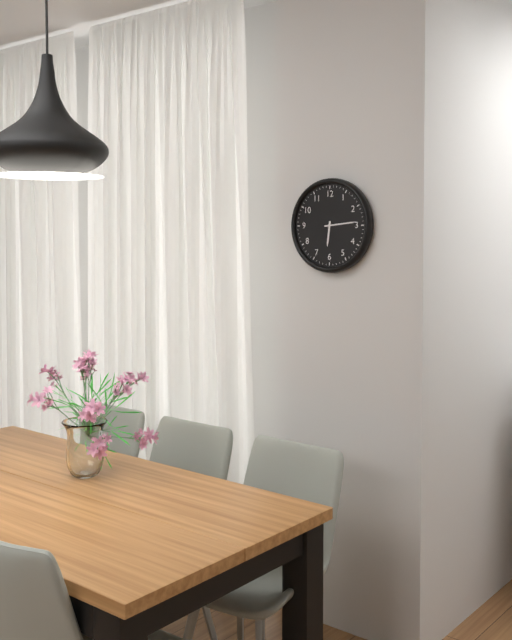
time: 6:14
